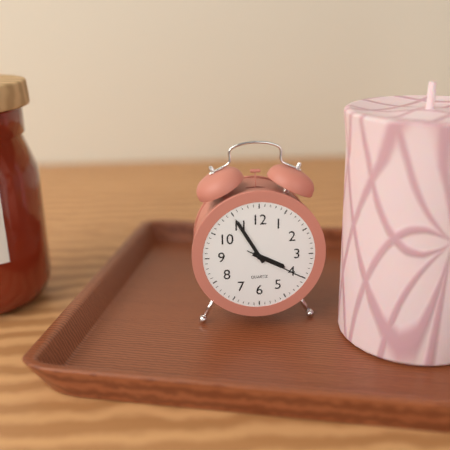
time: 3:55:20
